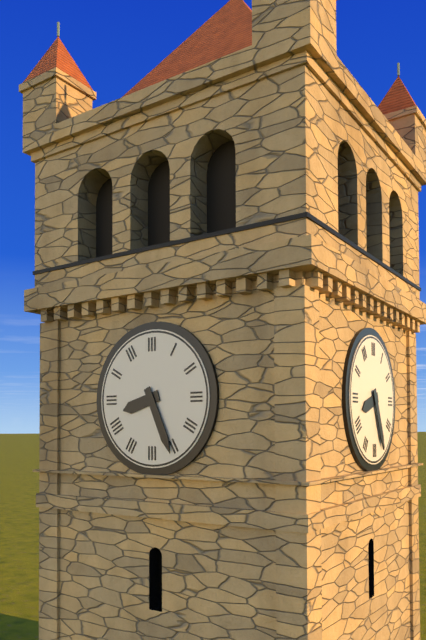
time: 8:26
